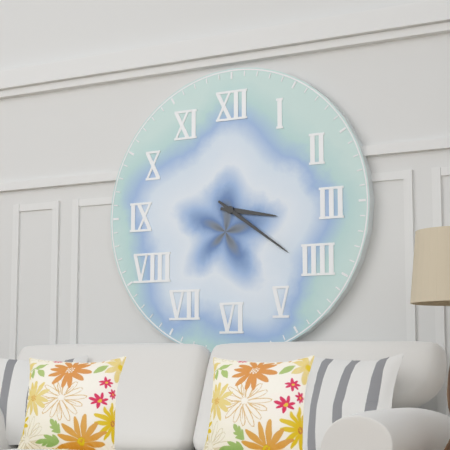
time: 3:21
